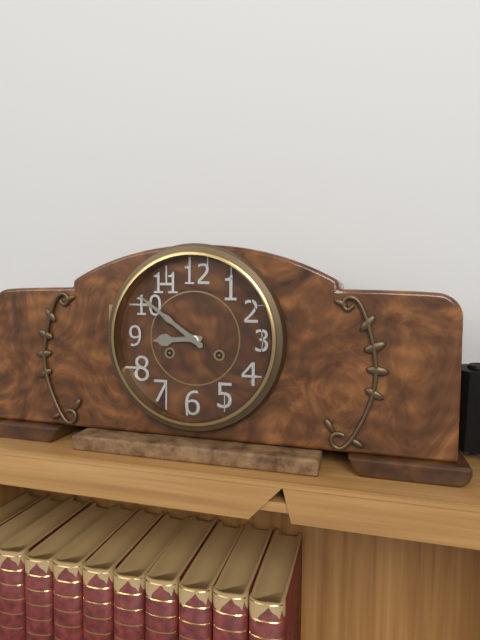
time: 8:51
